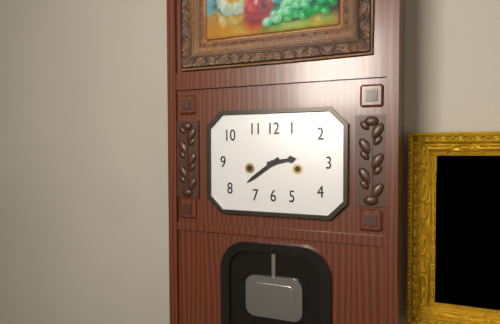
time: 2:39
